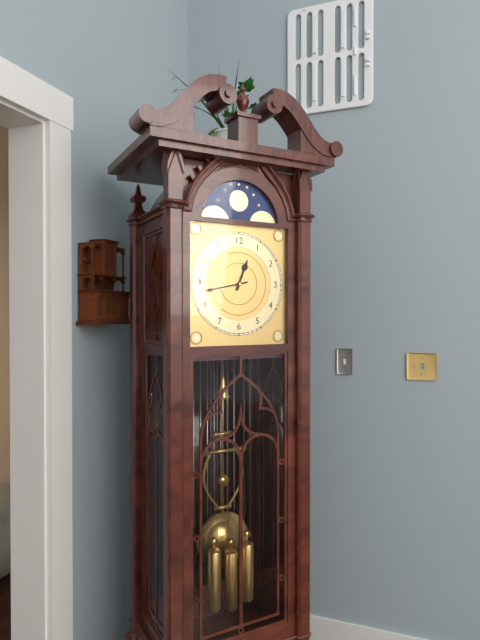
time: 12:43
